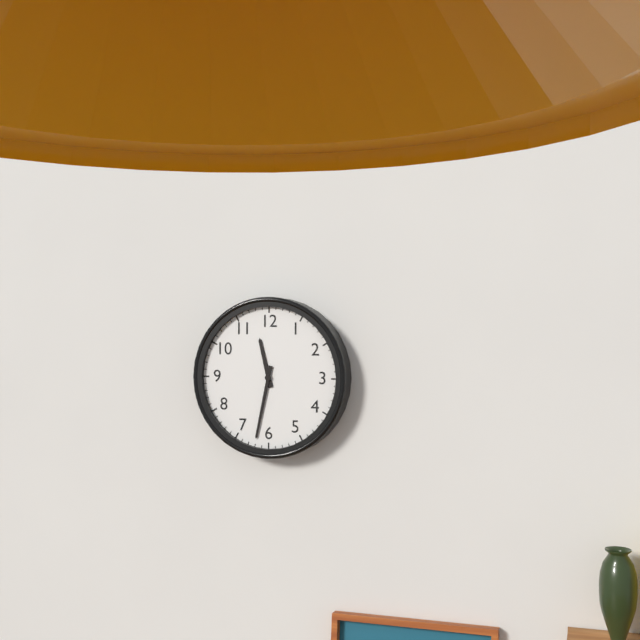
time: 11:32
